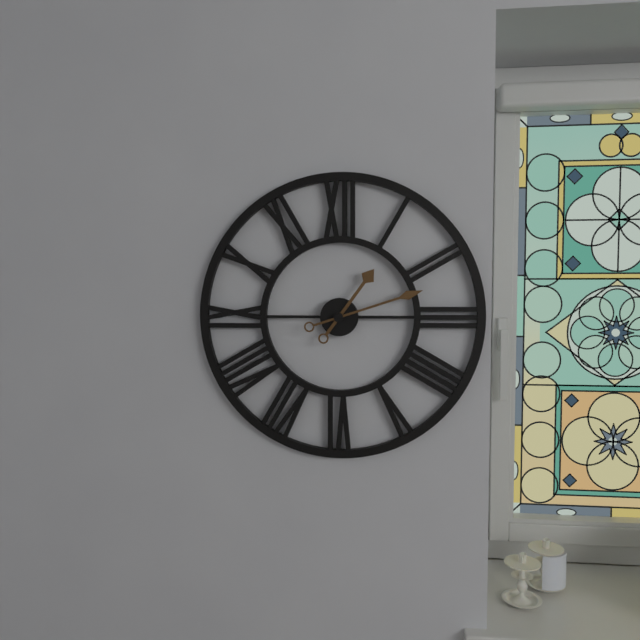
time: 1:12
